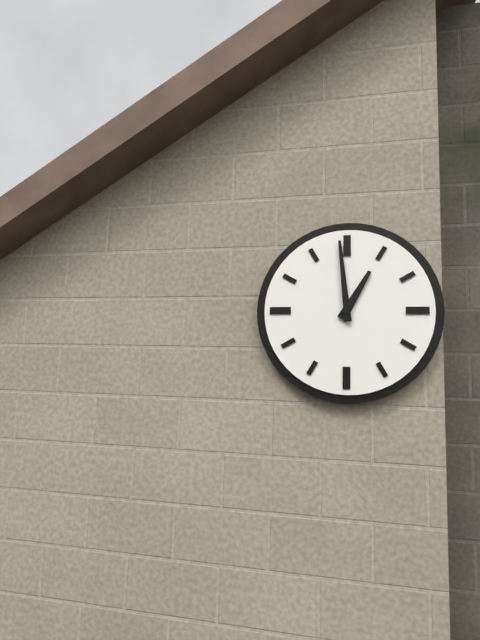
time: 12:59
